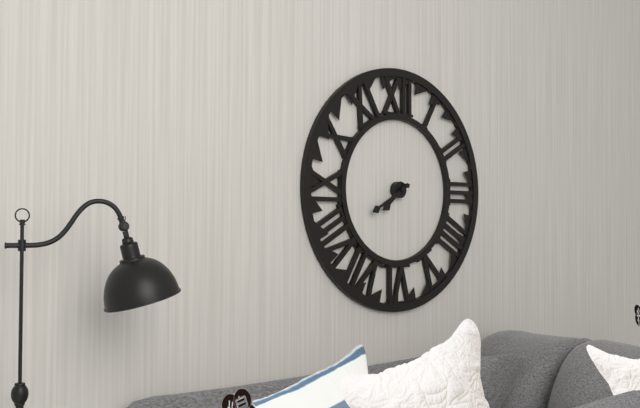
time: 7:40
